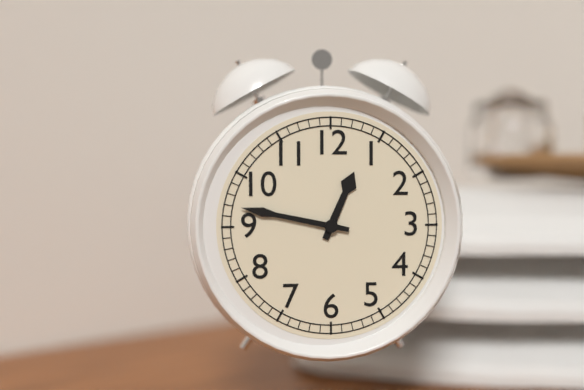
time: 12:47
